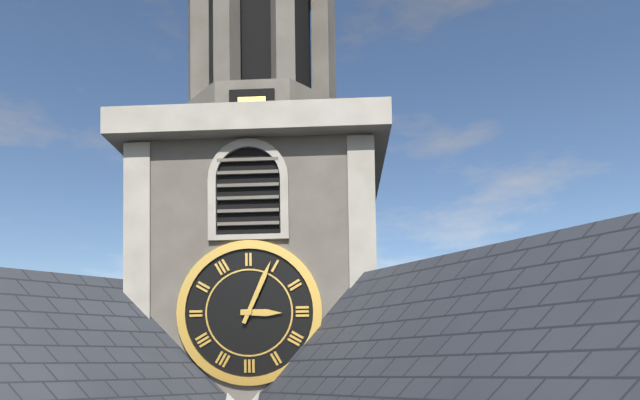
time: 3:04
